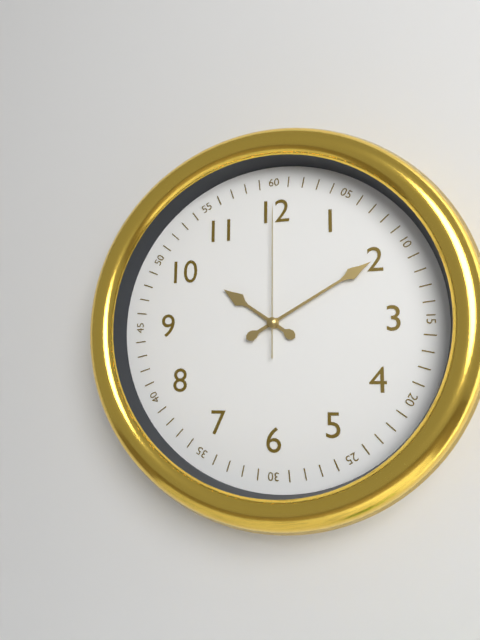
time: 10:10:00
